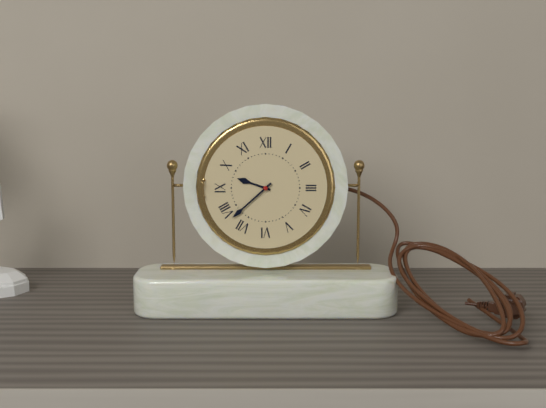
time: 9:38
